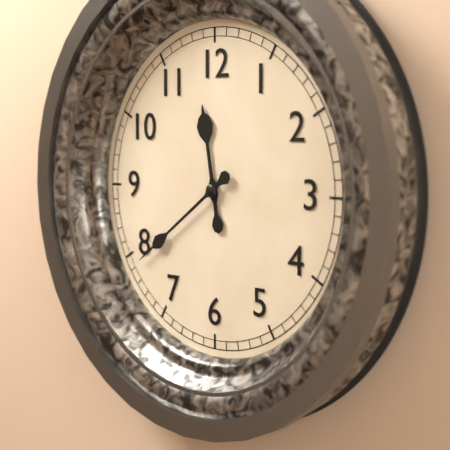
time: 11:39
